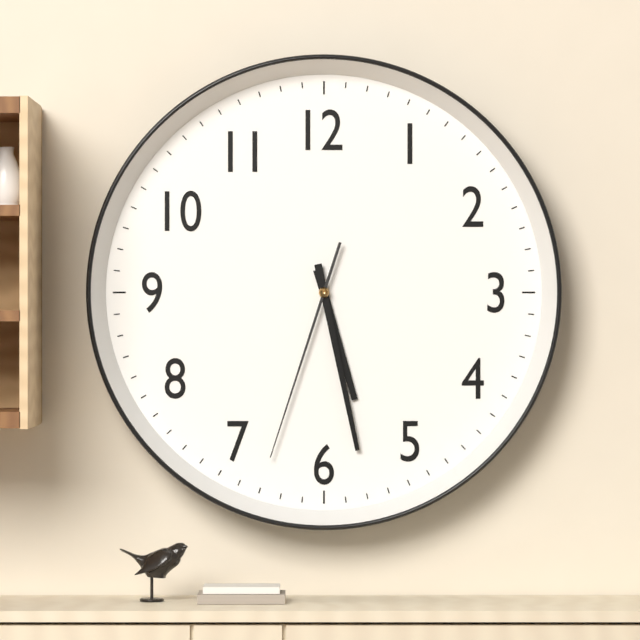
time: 5:28:33
